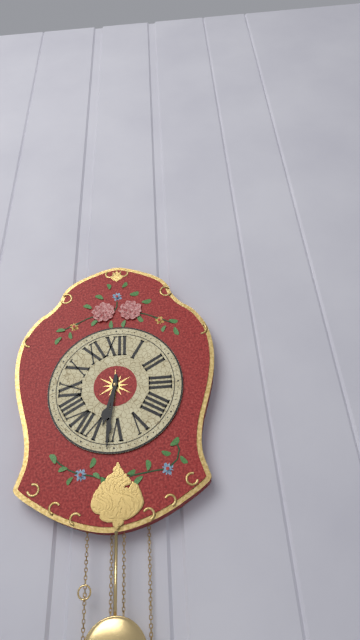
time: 6:31
